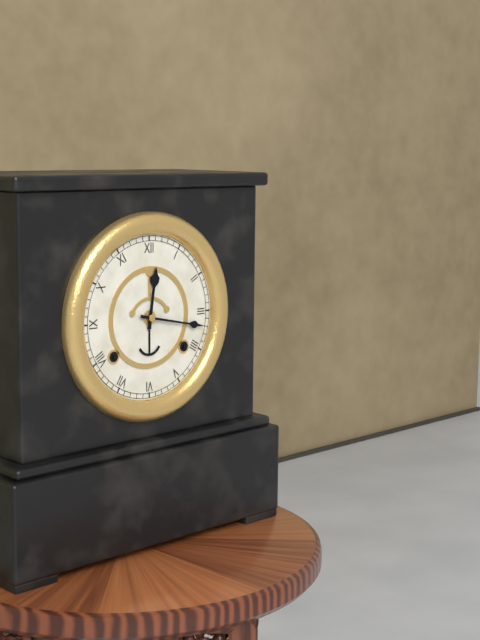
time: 12:17
